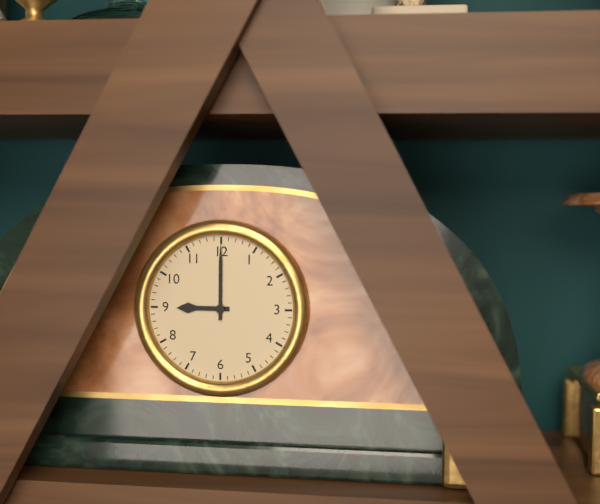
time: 9:00
